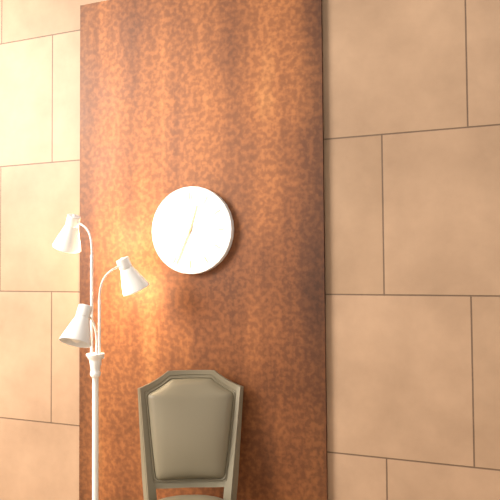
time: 12:34
